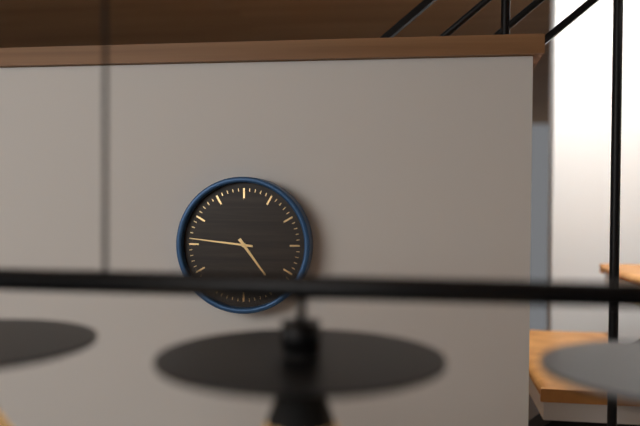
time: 4:46
